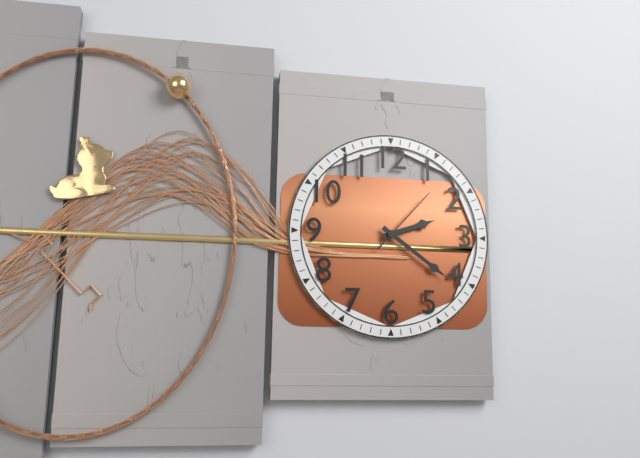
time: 2:21:07
